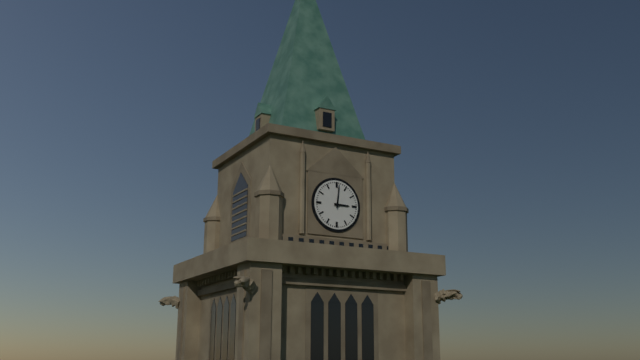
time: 3:01
